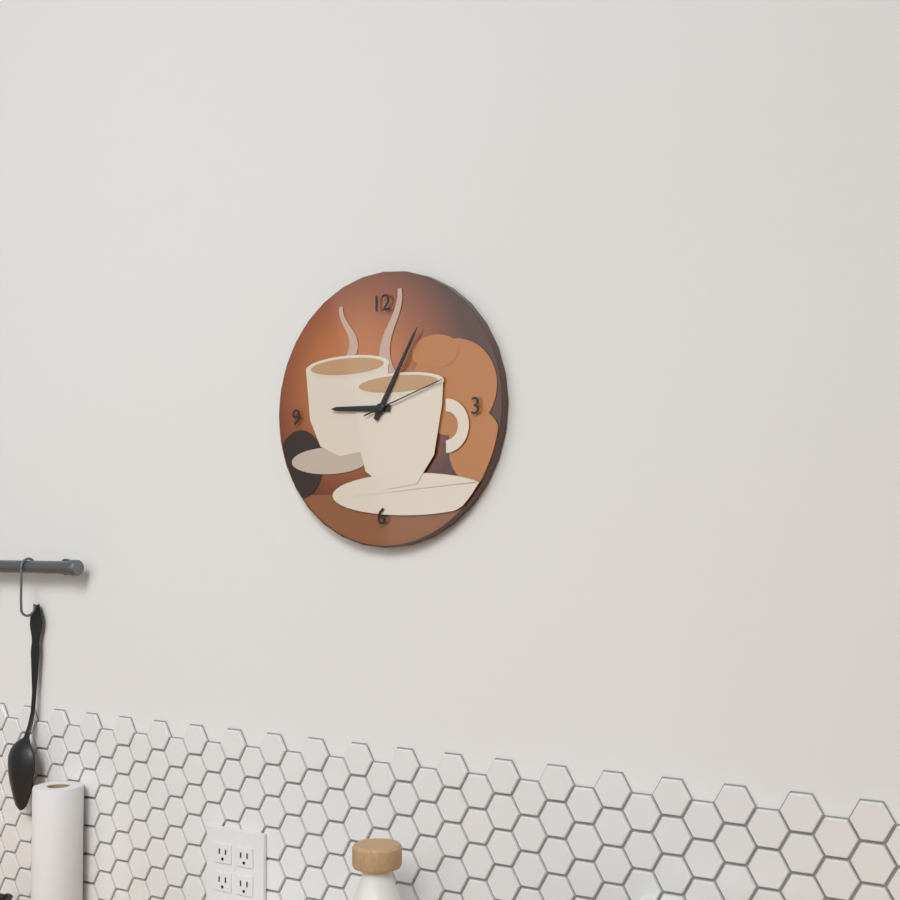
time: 9:05:12
